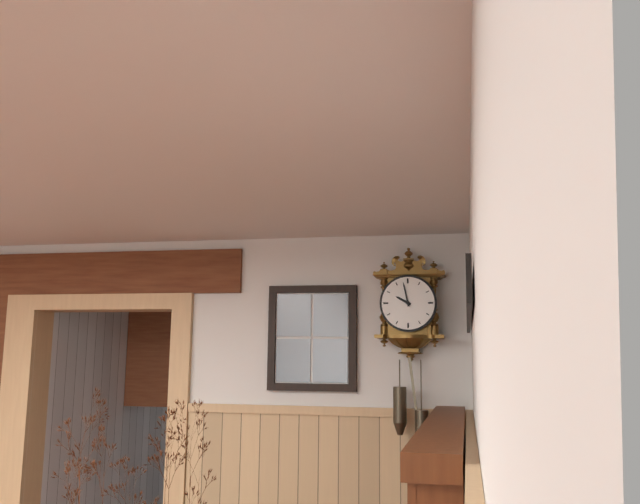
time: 9:58
